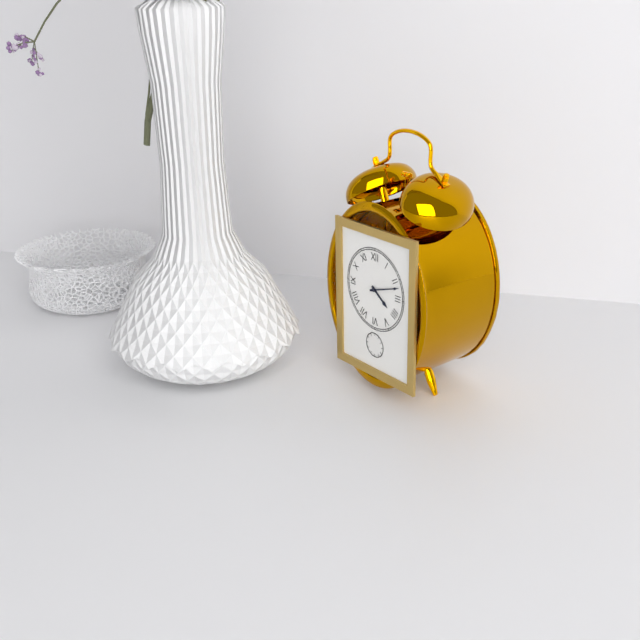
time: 4:12
